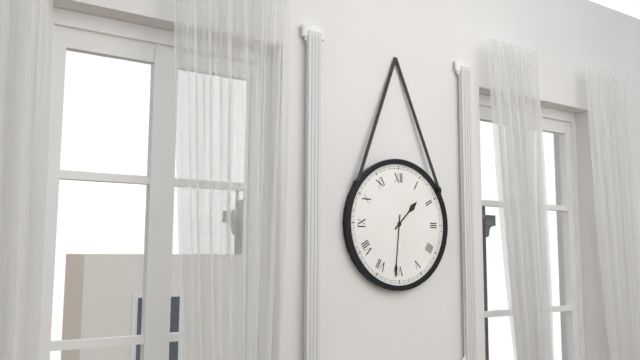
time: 1:31
